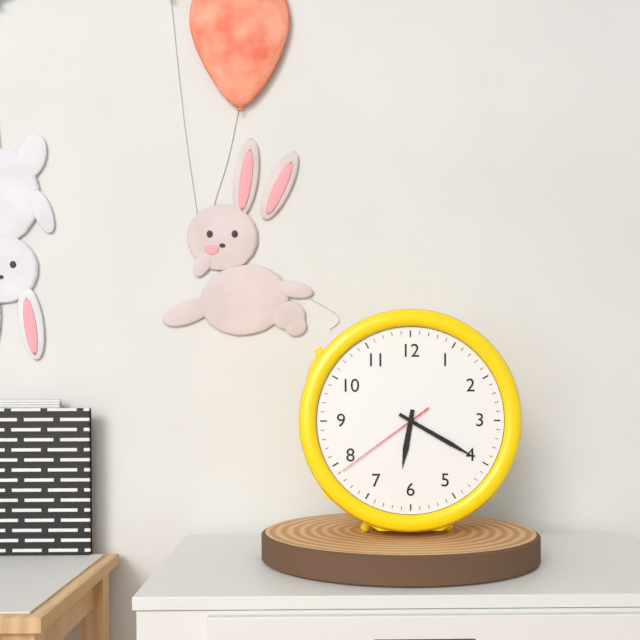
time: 6:20:39
